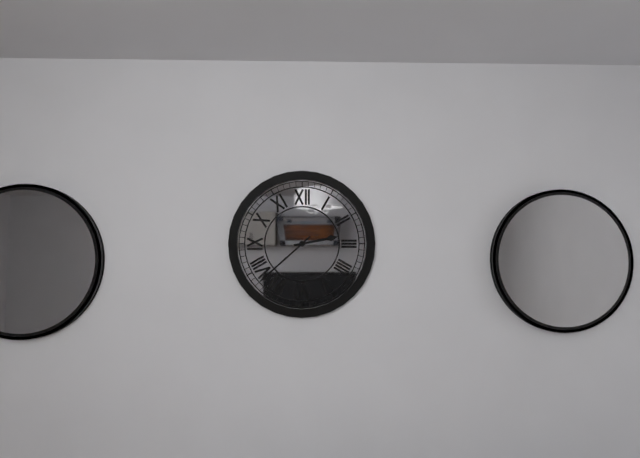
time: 2:38
